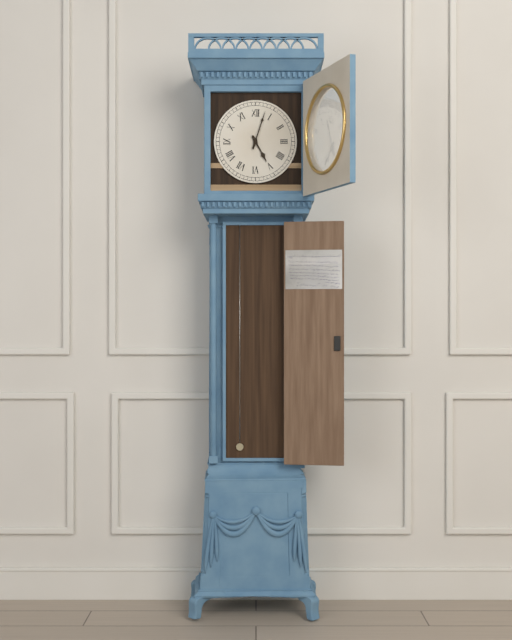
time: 5:03
